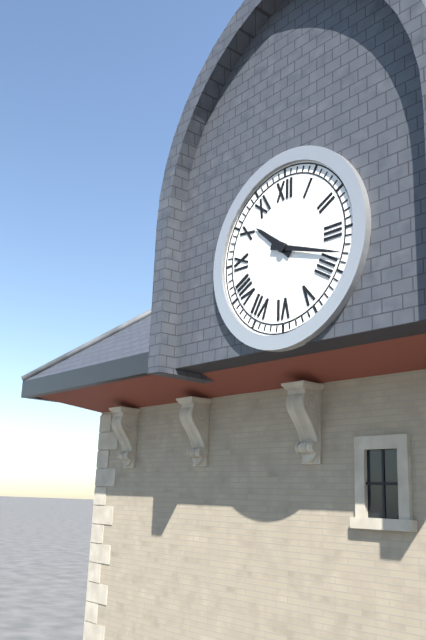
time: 10:18
